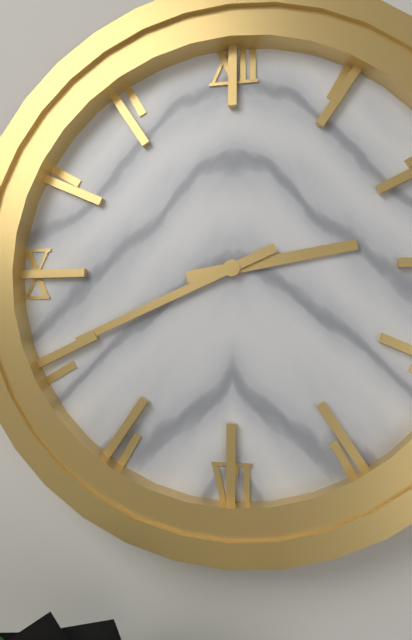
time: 2:41
